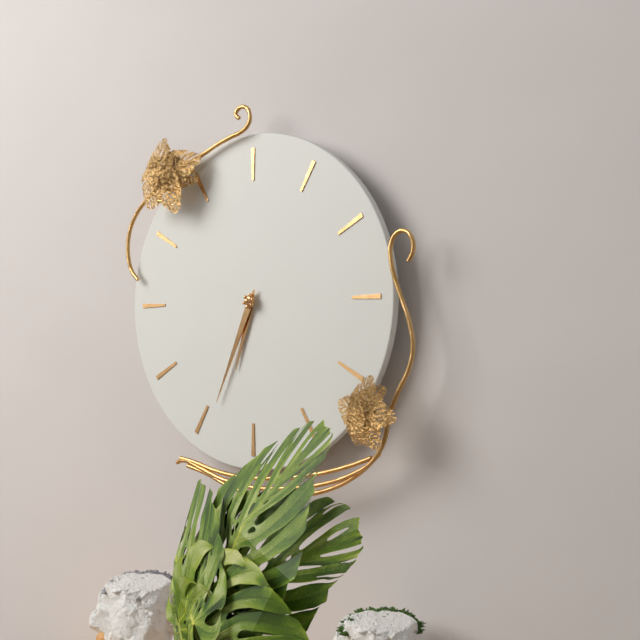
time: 6:34
